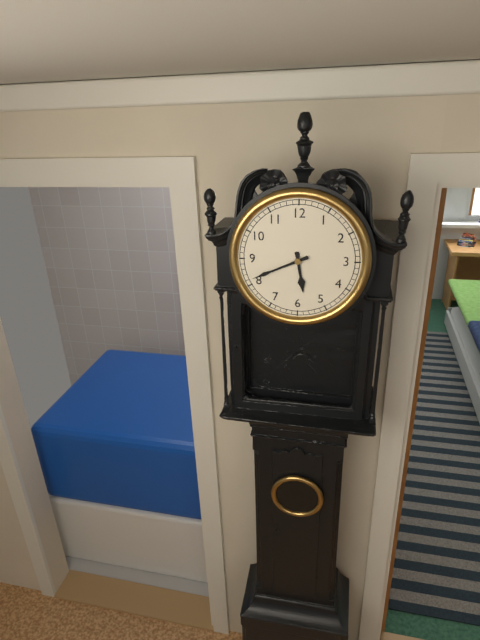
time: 5:41
